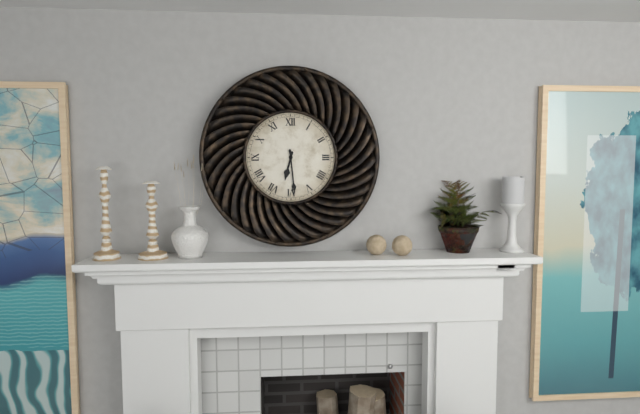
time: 6:29
